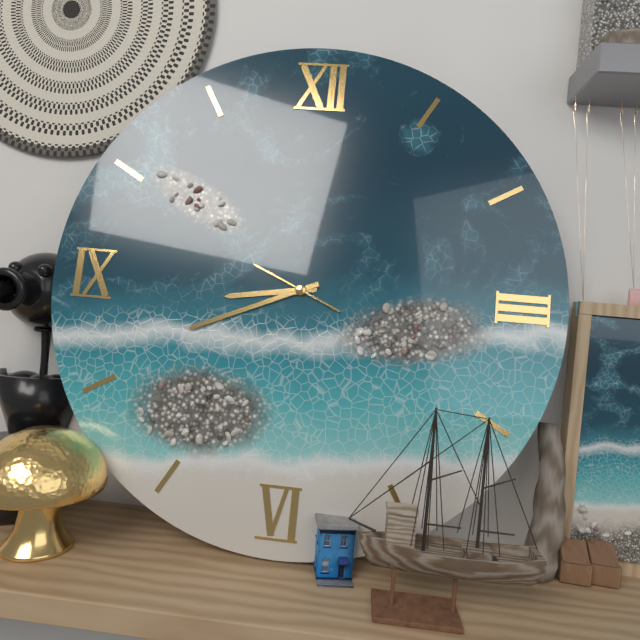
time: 8:41:49
